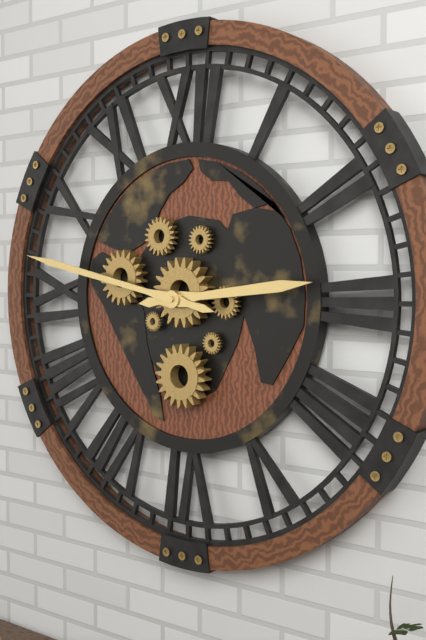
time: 2:47
